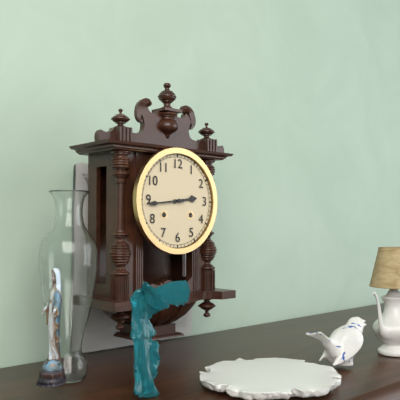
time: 2:44
